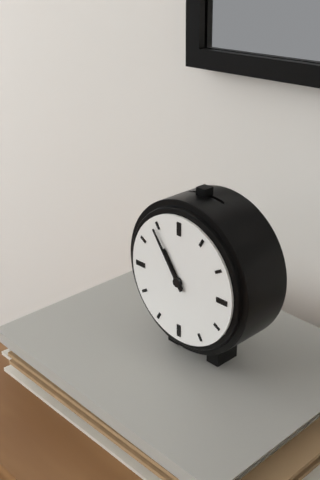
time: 10:54
